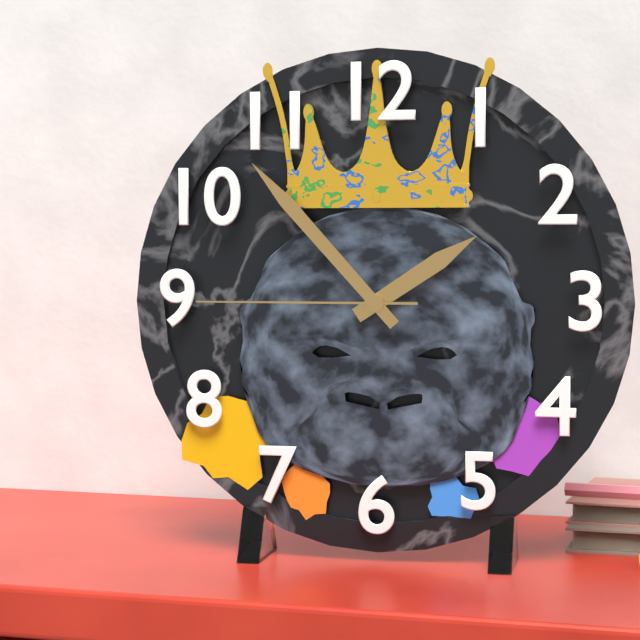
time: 1:53:45
